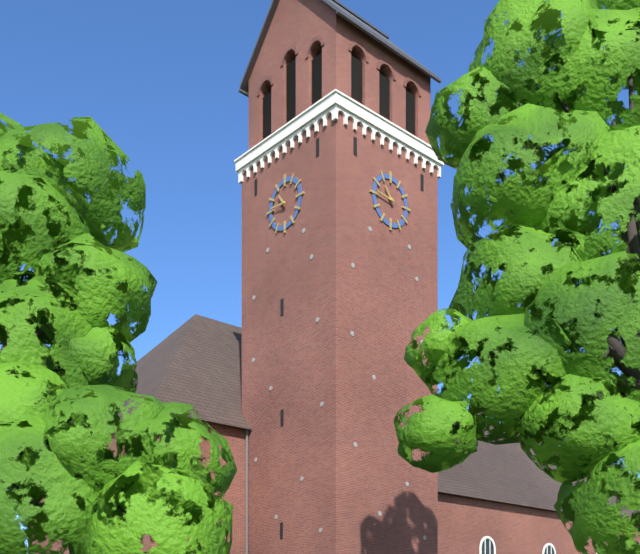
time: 10:46
